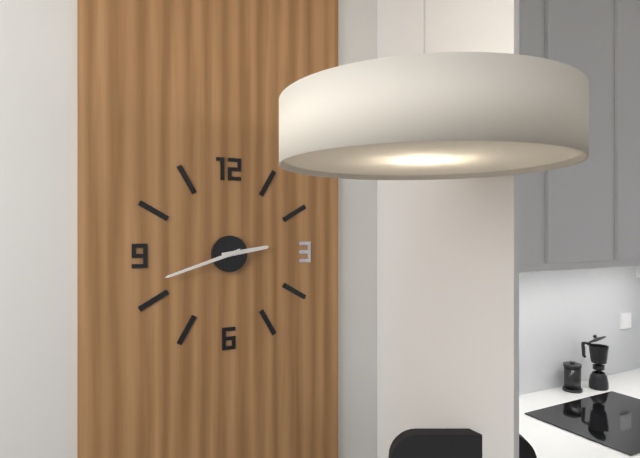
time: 2:42
